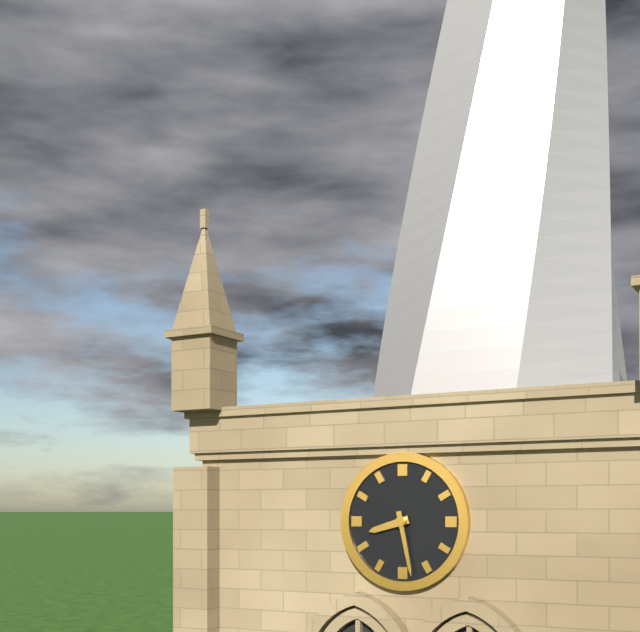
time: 8:28
